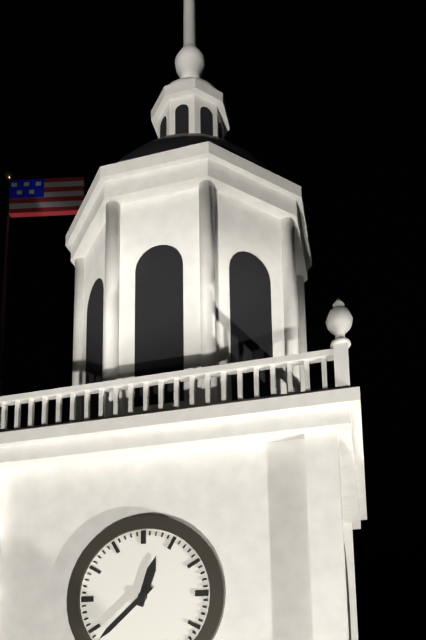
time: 12:38
